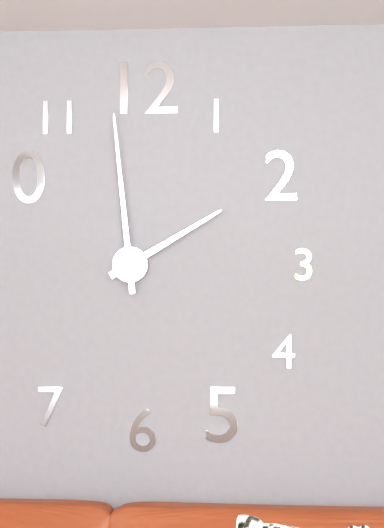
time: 1:59
